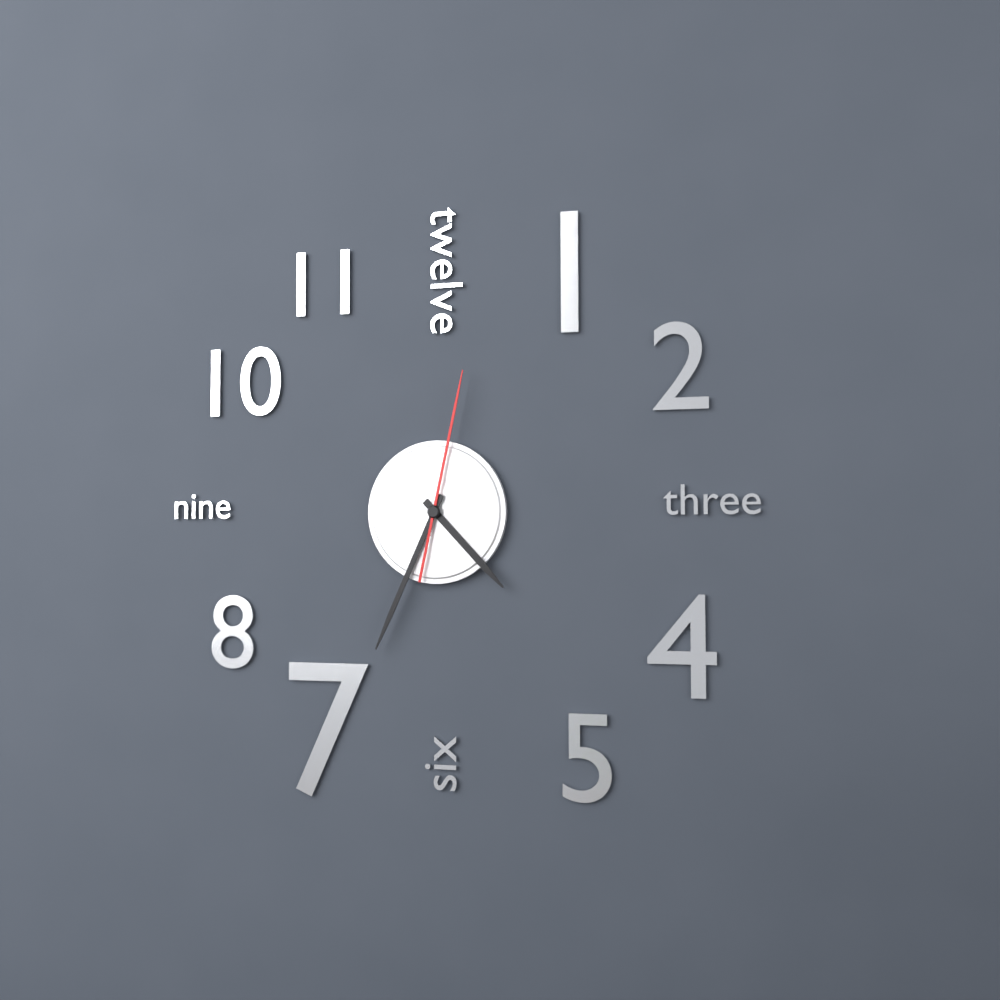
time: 4:34:02
